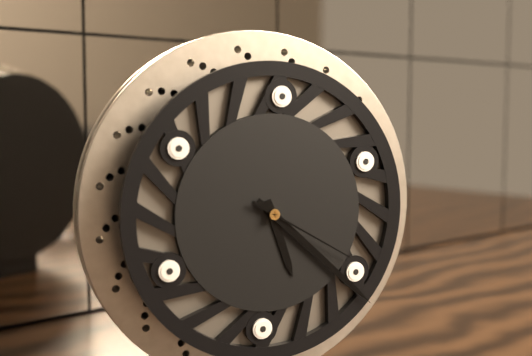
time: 5:22:20
